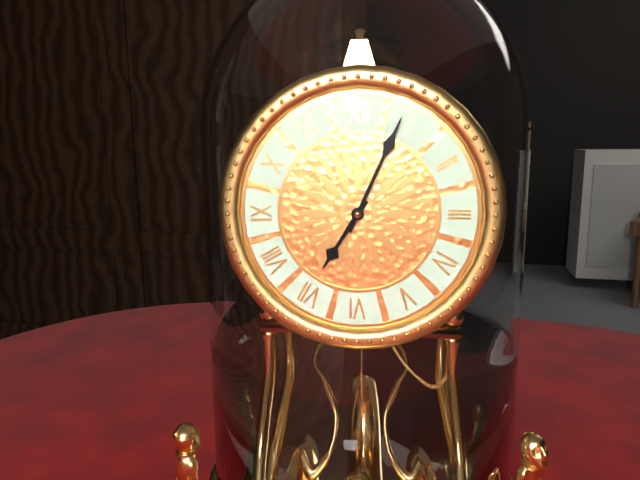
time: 7:04
